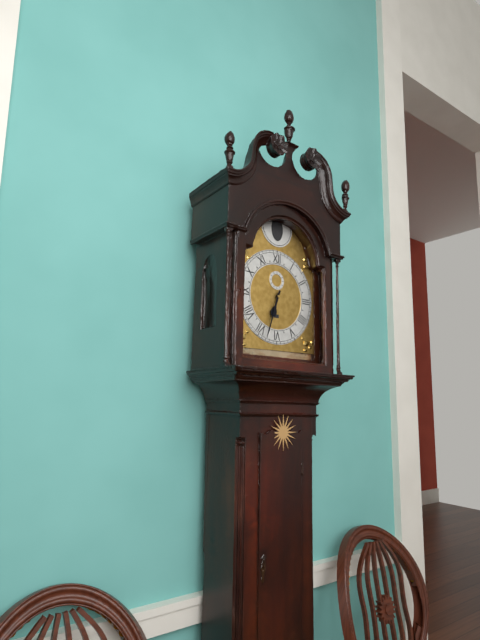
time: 6:33
